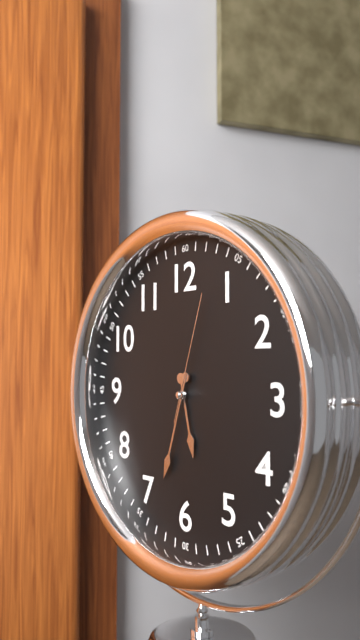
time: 5:33:03
